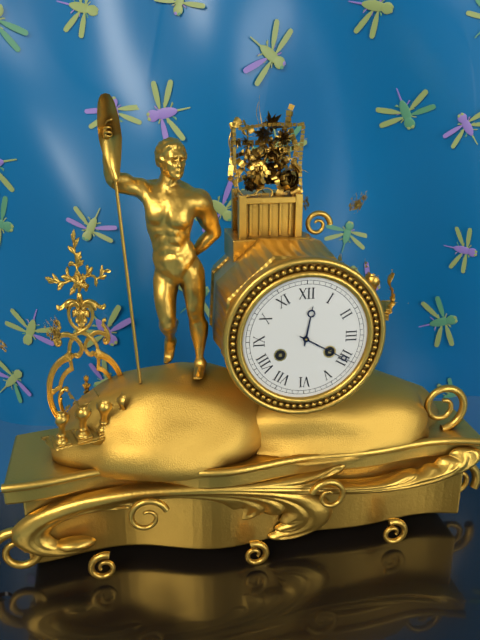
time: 12:20
